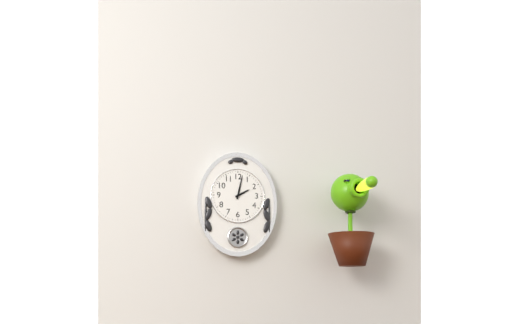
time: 2:02
